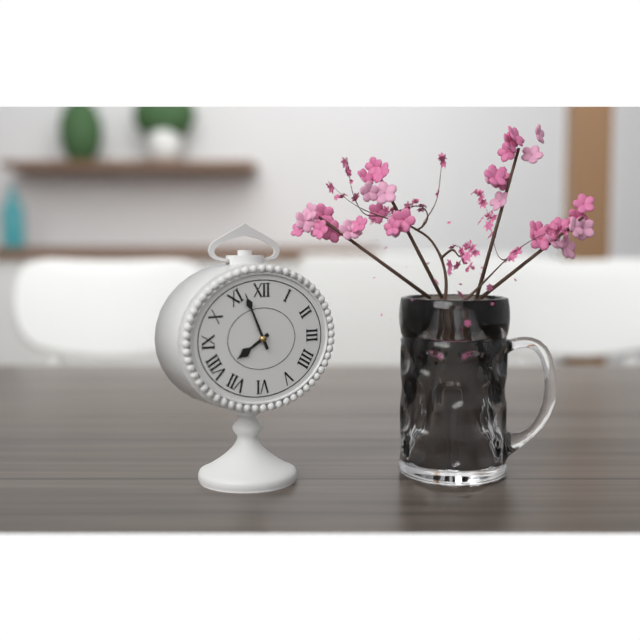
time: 7:56
